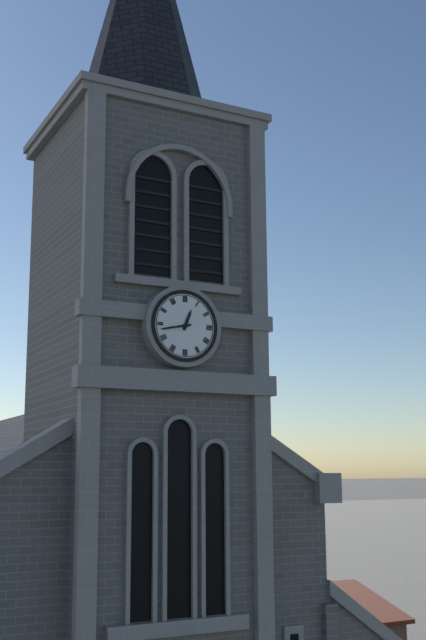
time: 12:43
